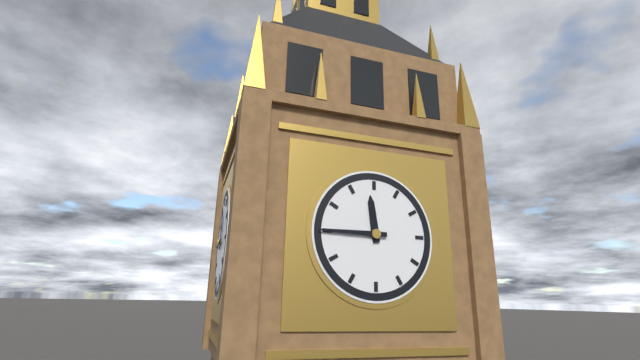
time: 11:45
